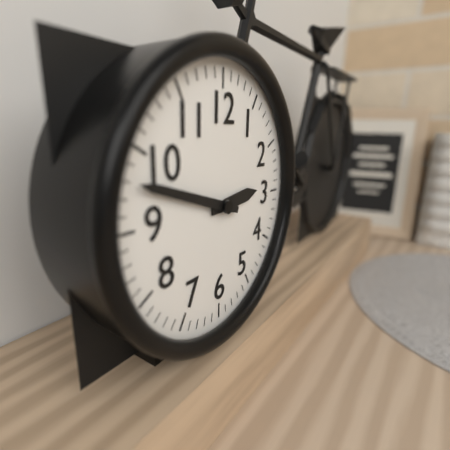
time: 2:48
